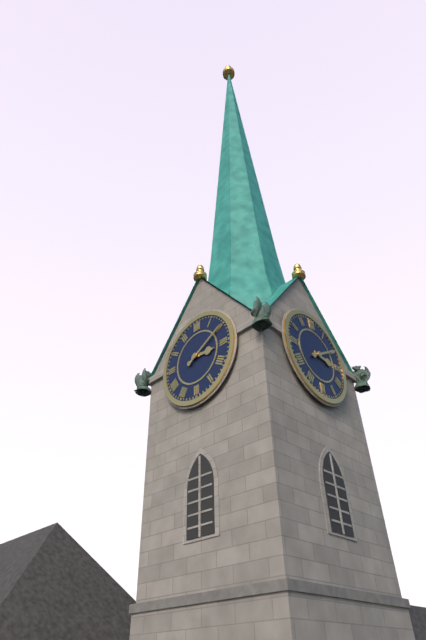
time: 3:10
